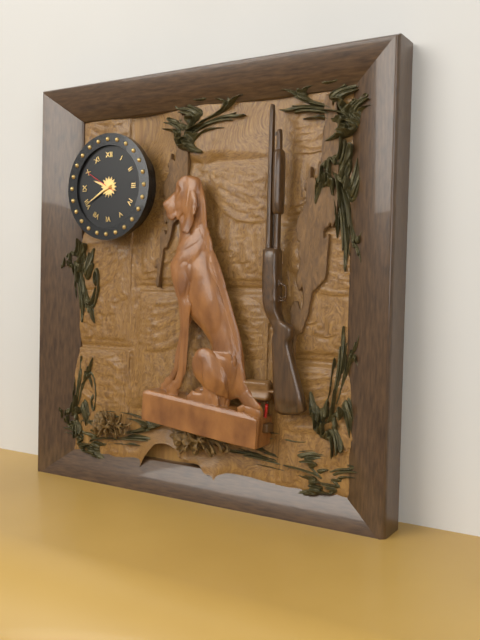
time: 9:40
